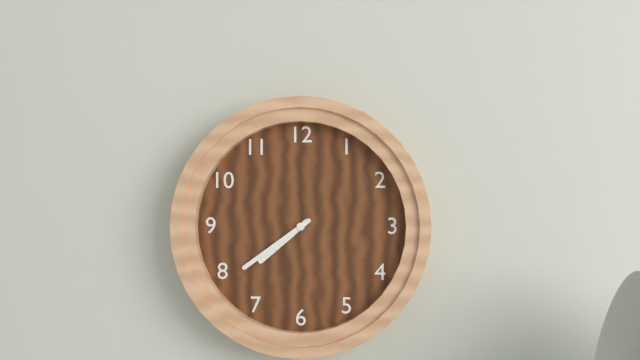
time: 7:39
